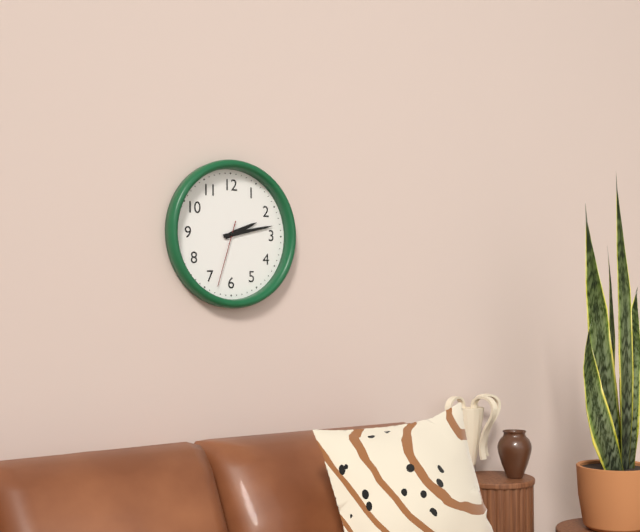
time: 2:13:33
